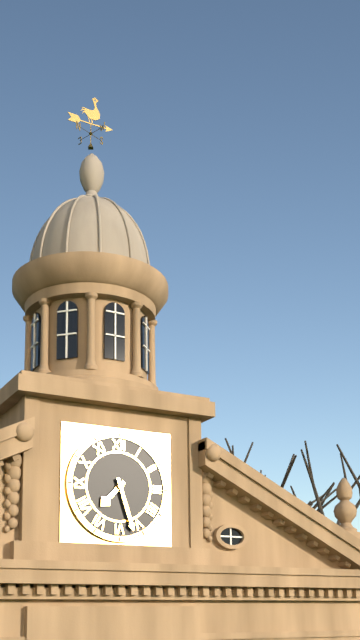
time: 7:27
